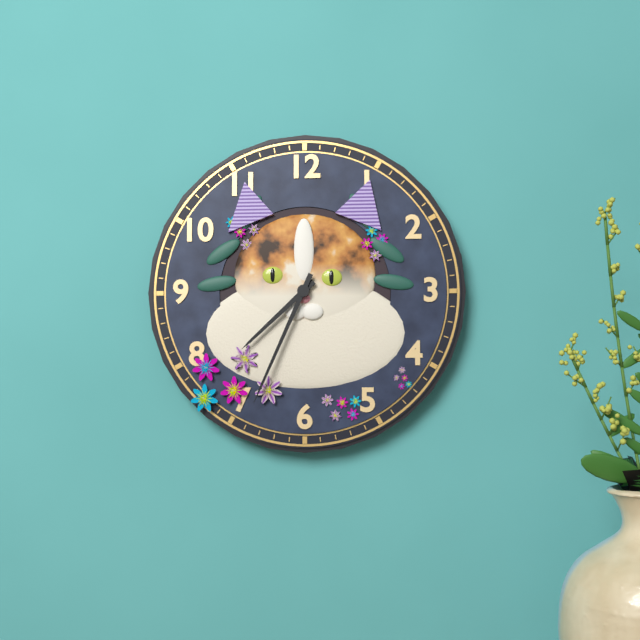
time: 7:34
